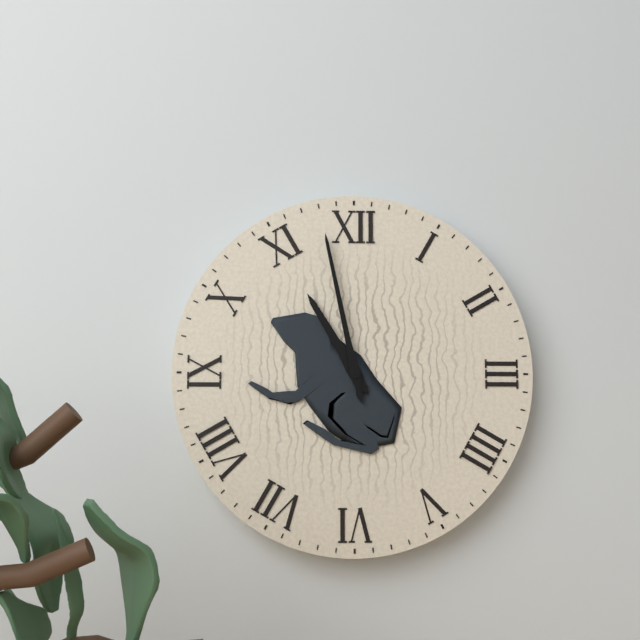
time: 10:58
